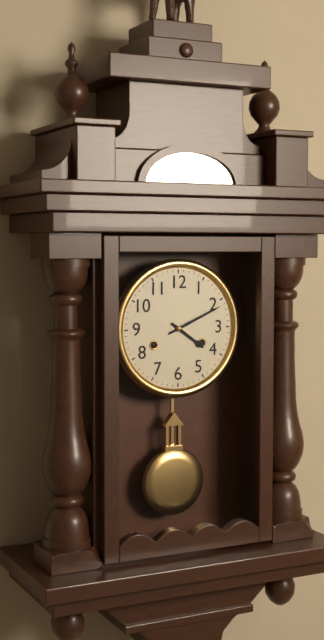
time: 4:11
